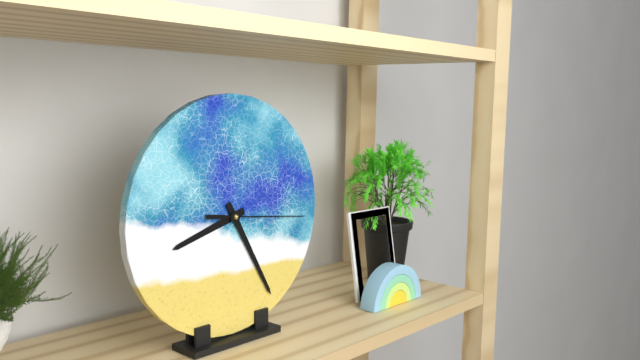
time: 8:25:16
